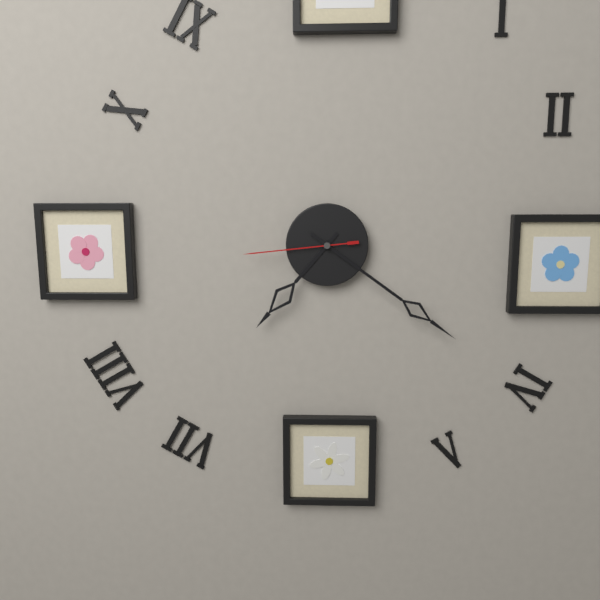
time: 7:21:44
